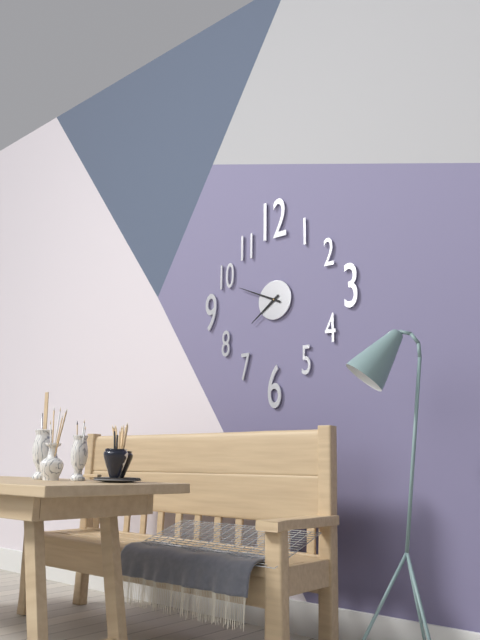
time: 7:49
